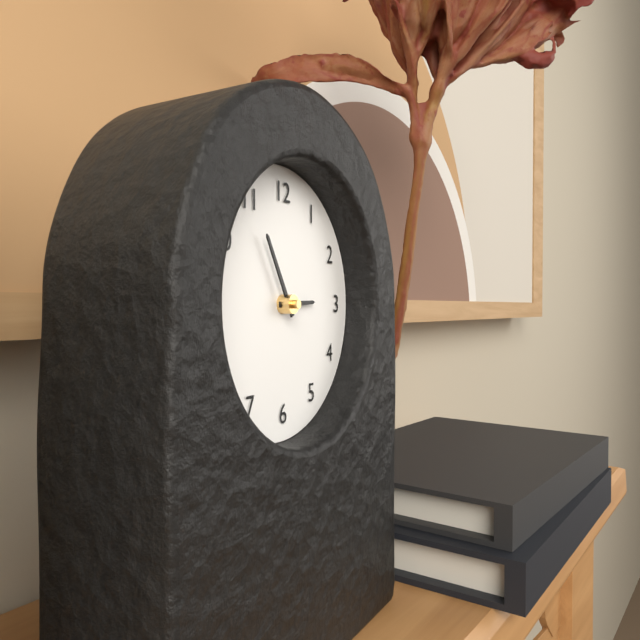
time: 2:55
